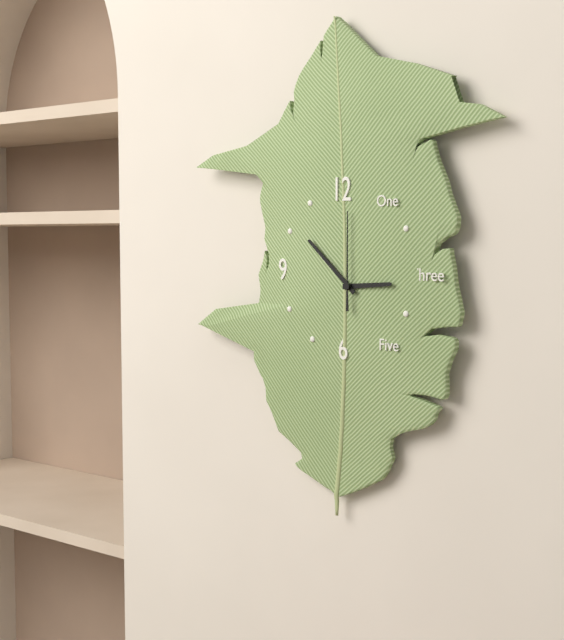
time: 2:52:00
